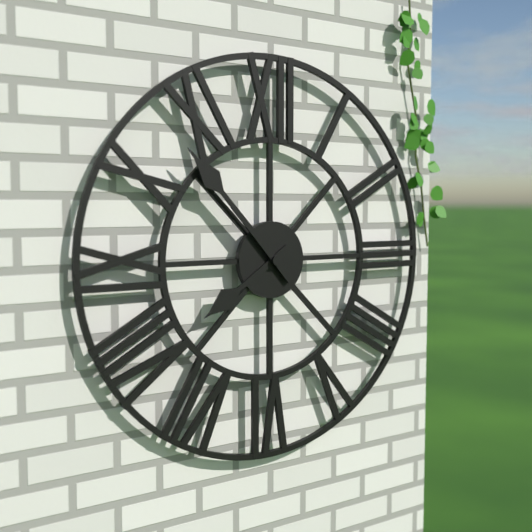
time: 7:53
